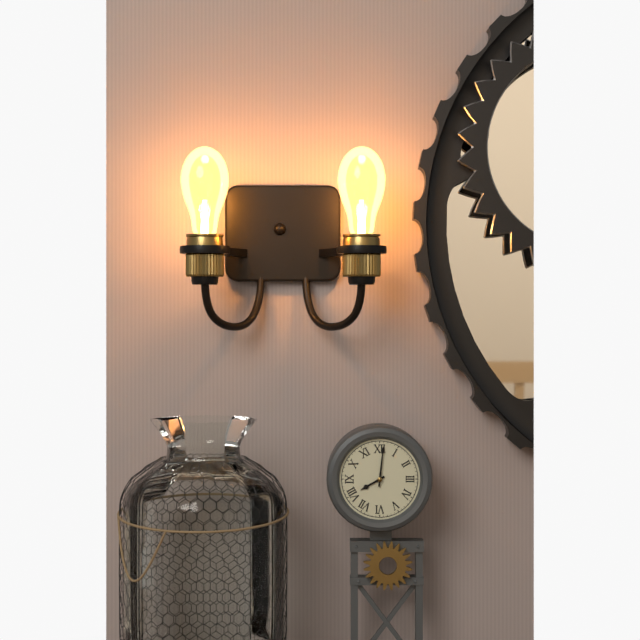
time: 8:01
